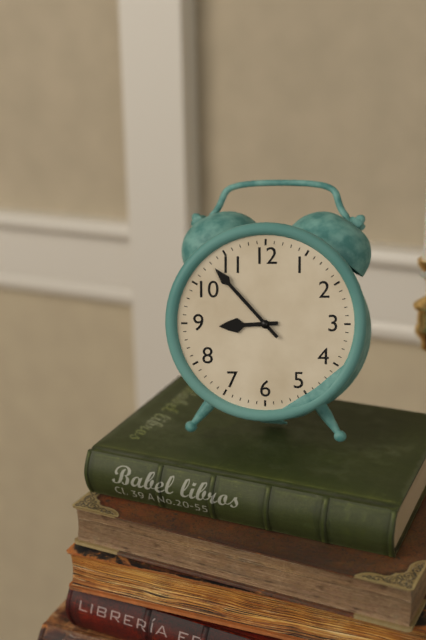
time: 8:53
